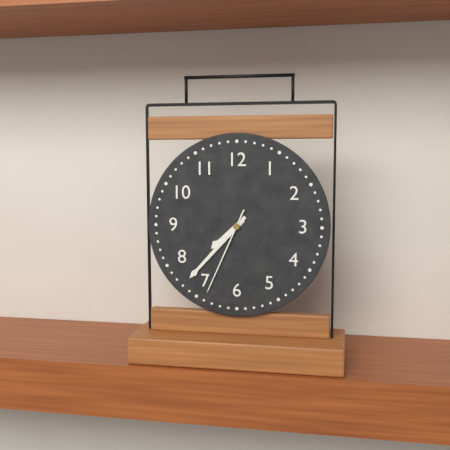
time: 7:37:34
